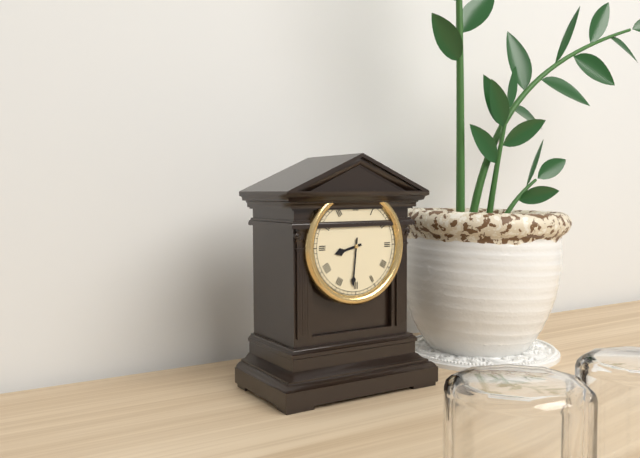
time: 8:31
